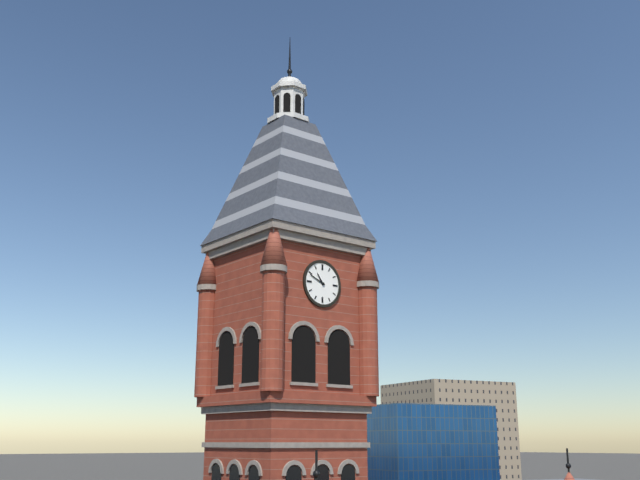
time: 10:49
